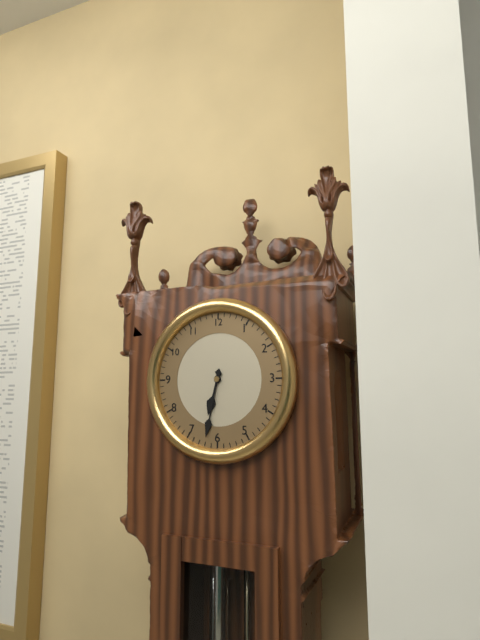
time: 6:32
